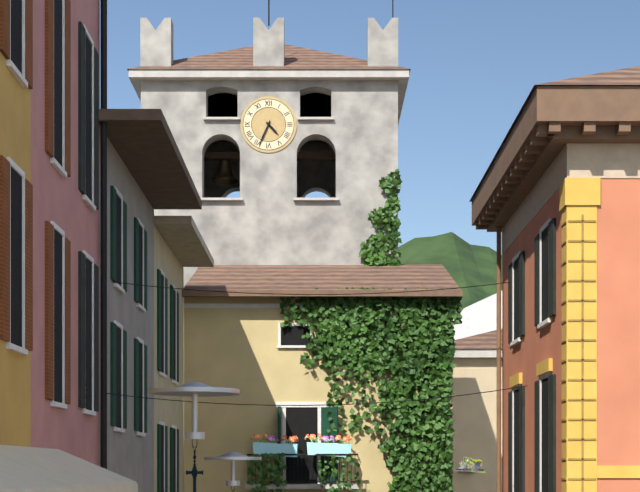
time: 4:34
